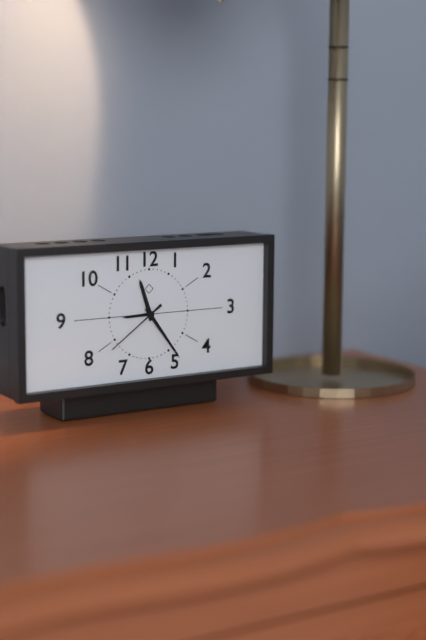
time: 11:24:39
